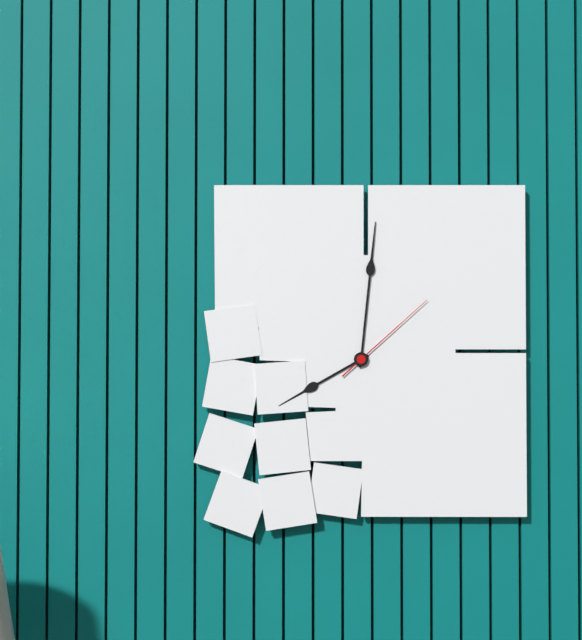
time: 8:01:08
